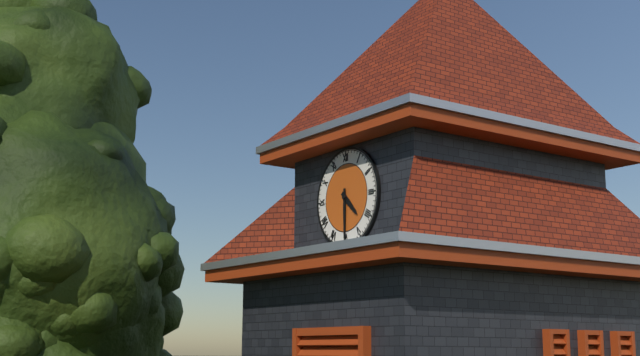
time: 4:30
